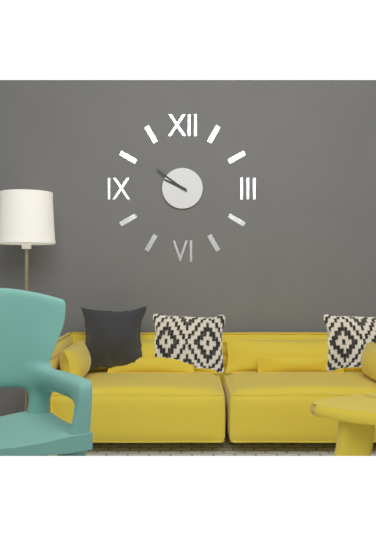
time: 9:51
